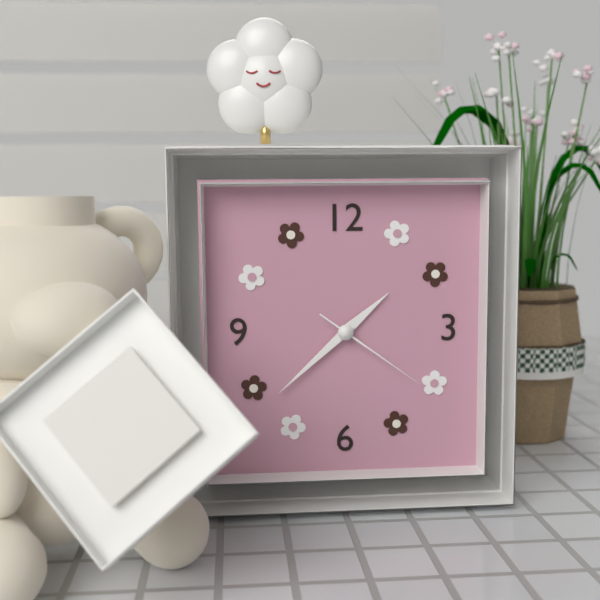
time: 1:38:21
